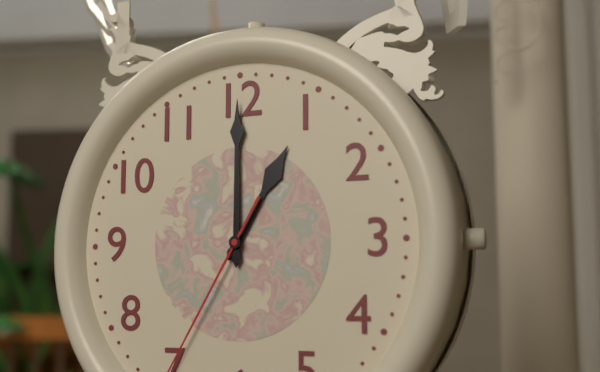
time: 1:00
